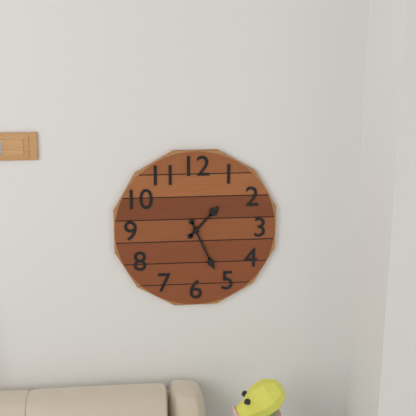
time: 1:26
